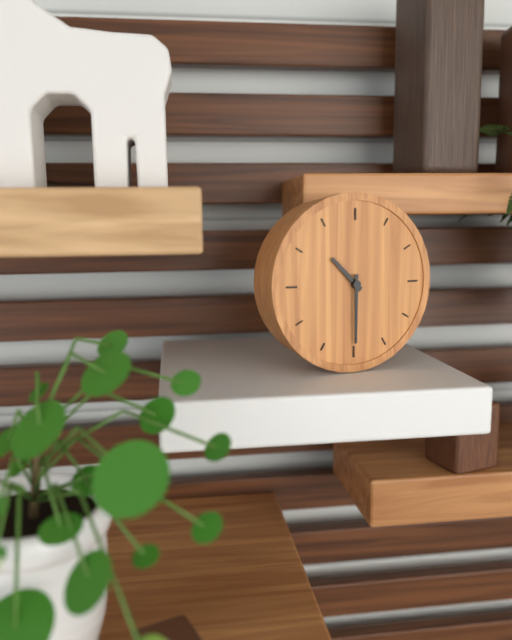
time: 10:30
